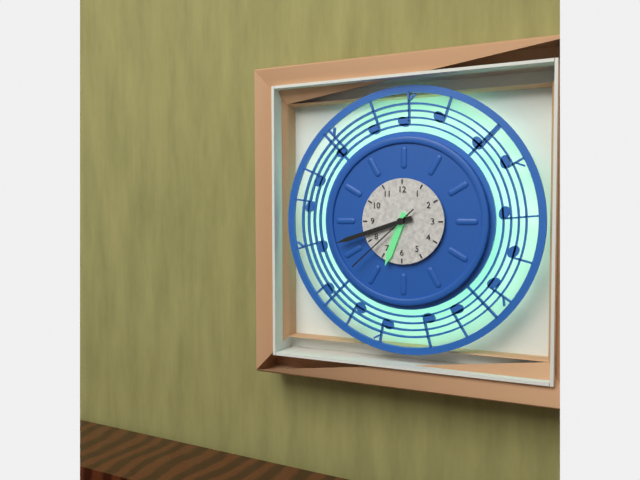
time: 6:42:38
